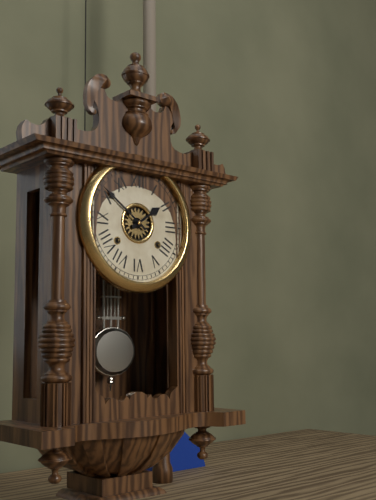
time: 1:51
